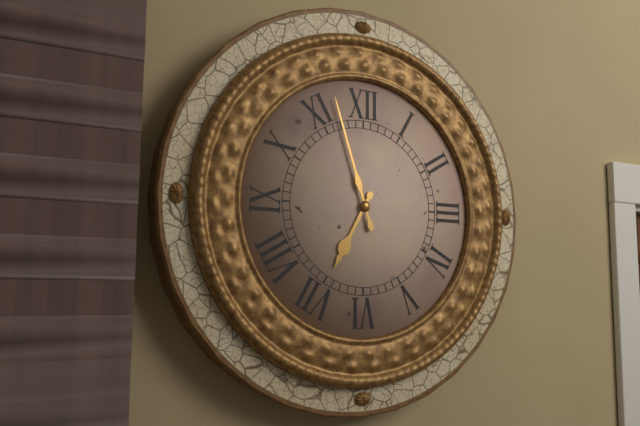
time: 6:57
